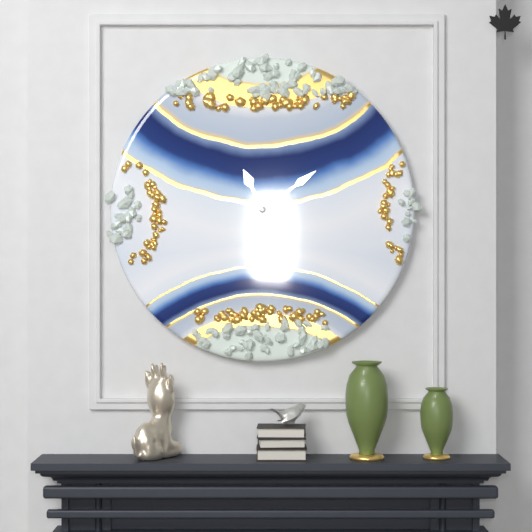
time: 11:09
